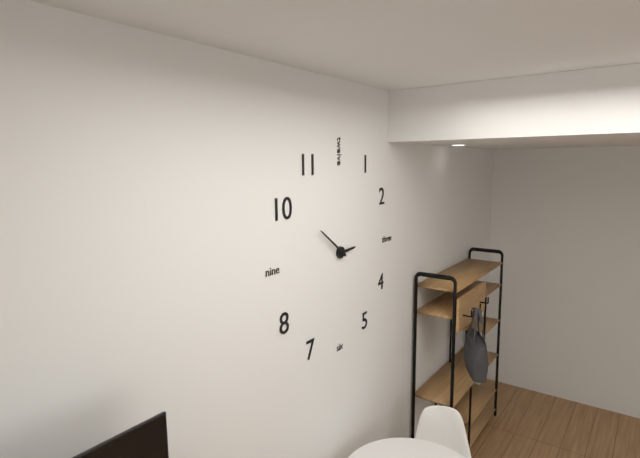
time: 2:51
